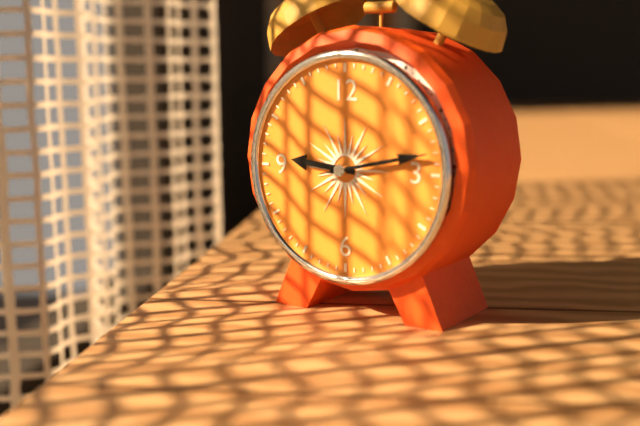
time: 9:13:13
